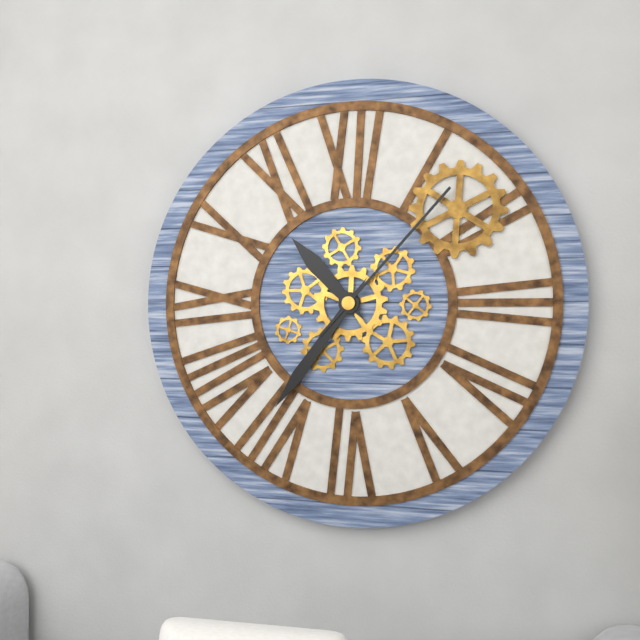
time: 10:36:07
